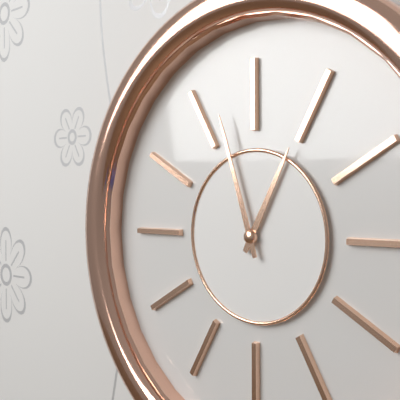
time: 12:57
